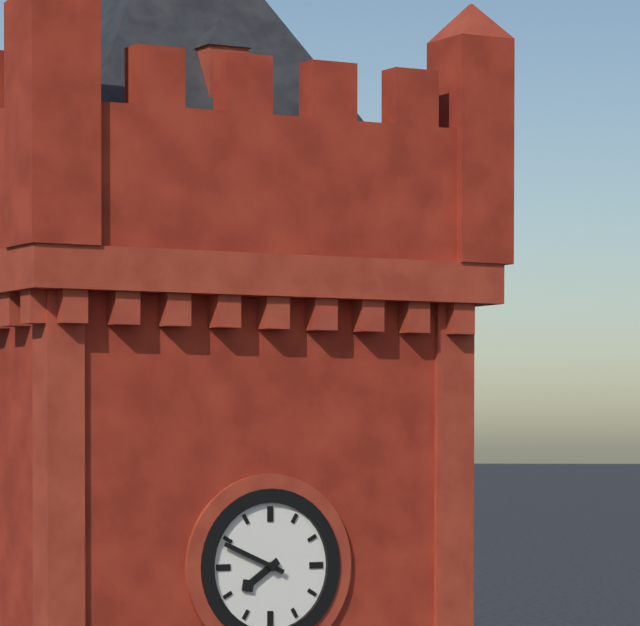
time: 7:49
